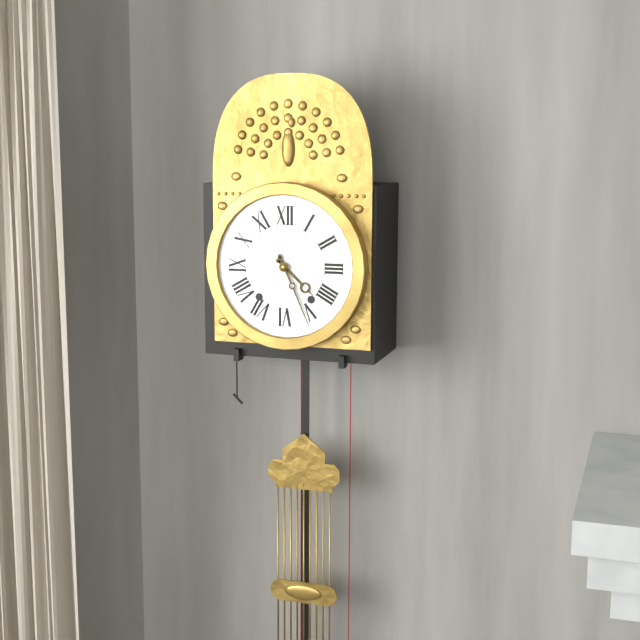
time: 4:26
